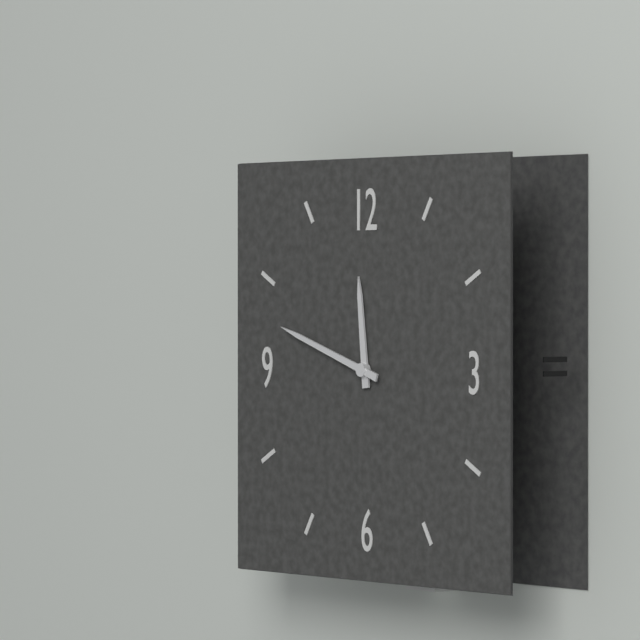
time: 11:48
